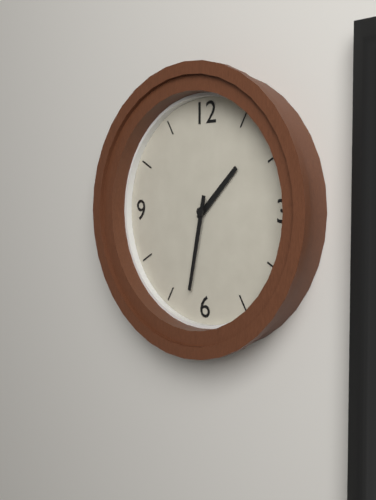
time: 1:32
